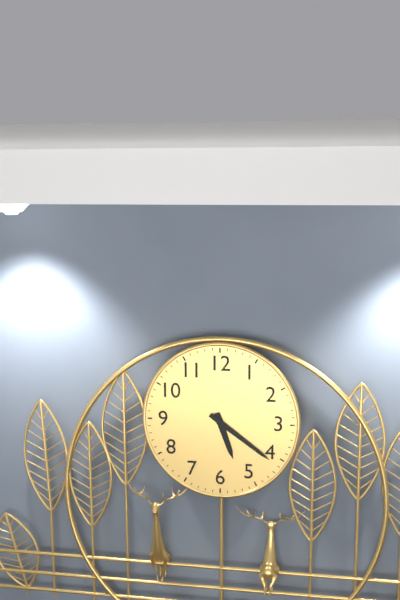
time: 5:21
